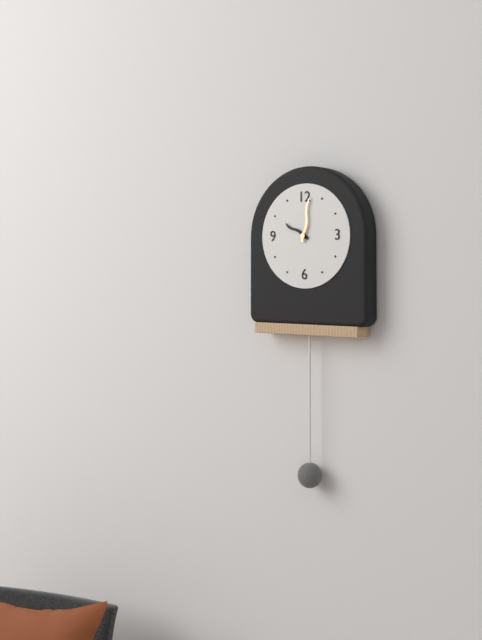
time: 10:02
